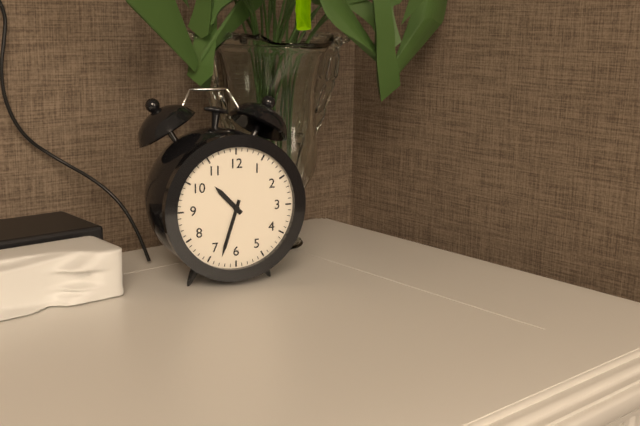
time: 10:33
